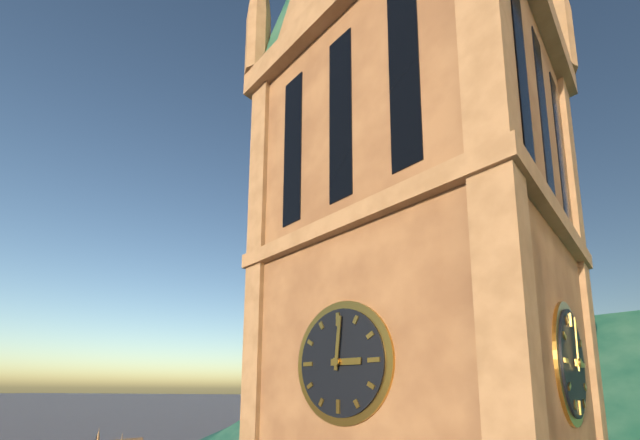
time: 3:01
